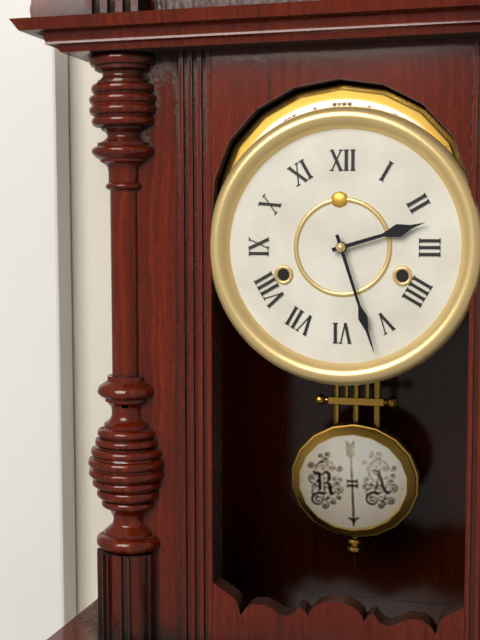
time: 2:27
